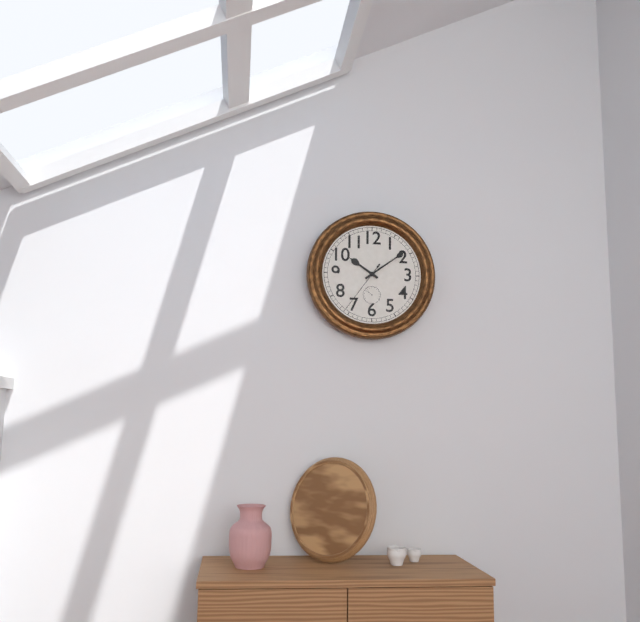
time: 10:09:36
